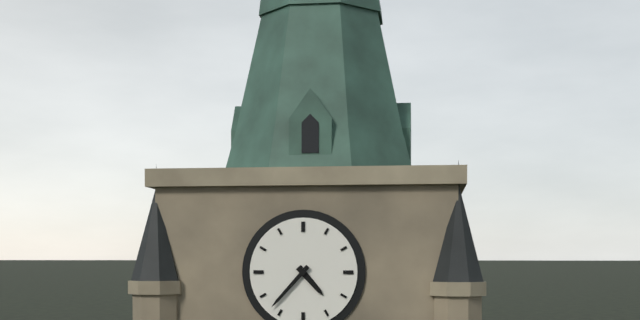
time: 4:37
